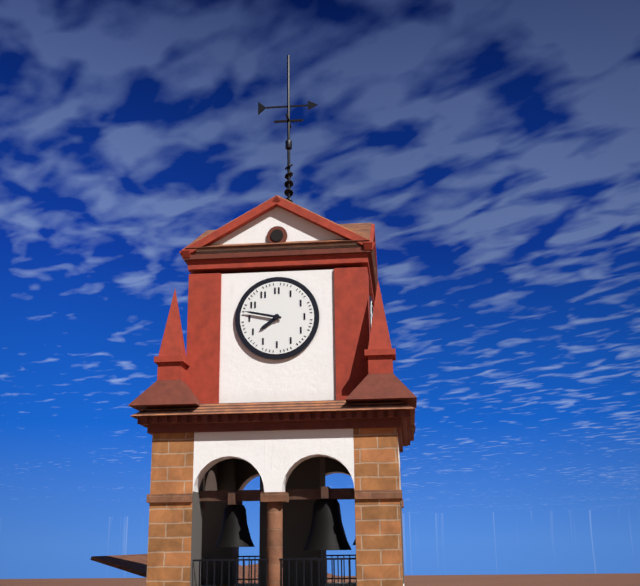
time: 7:47
